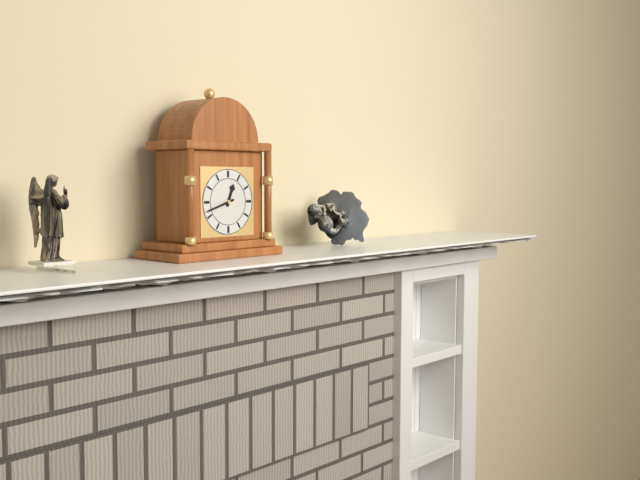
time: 12:42
